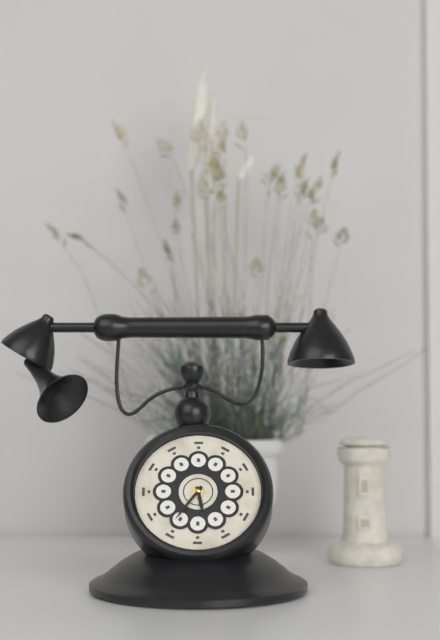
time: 5:36
